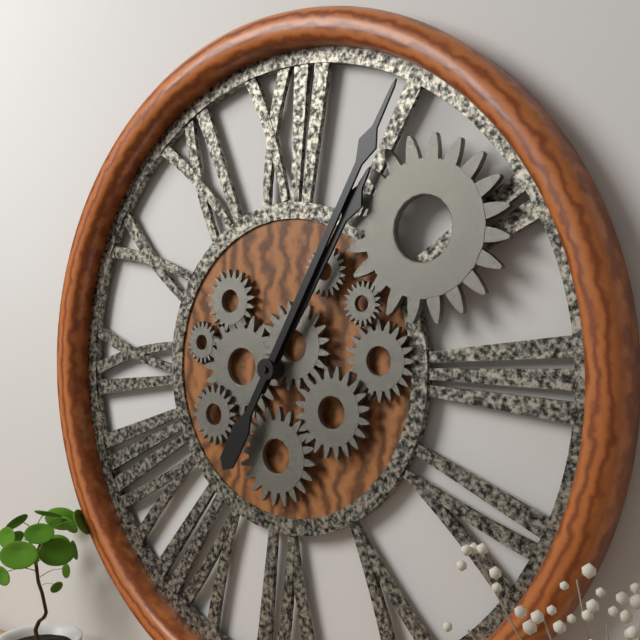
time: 1:05
